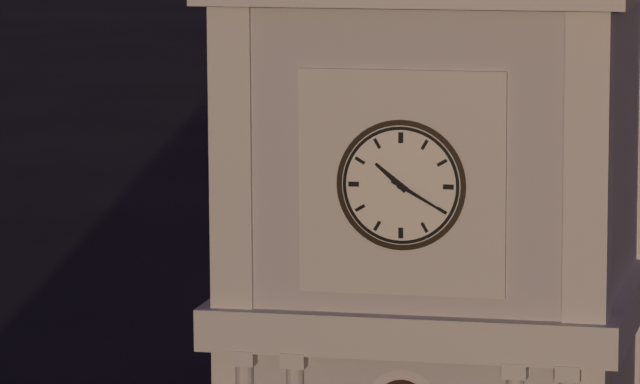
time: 10:20
